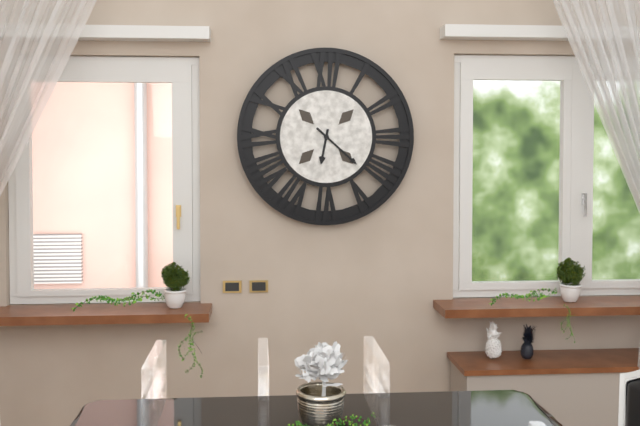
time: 6:22
